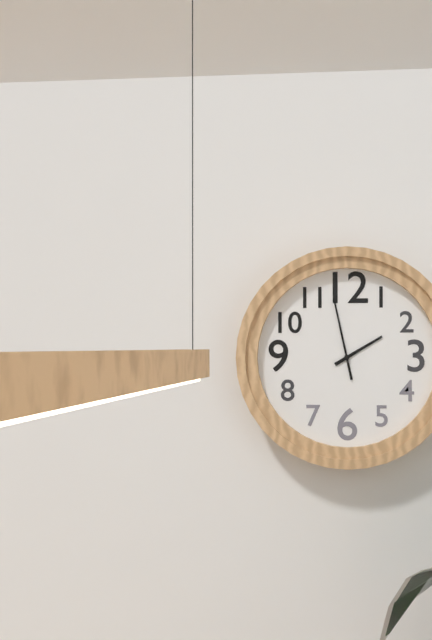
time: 1:58
